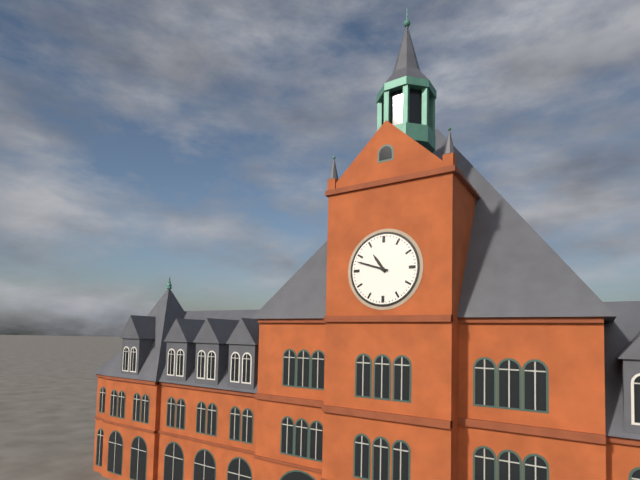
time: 10:48
